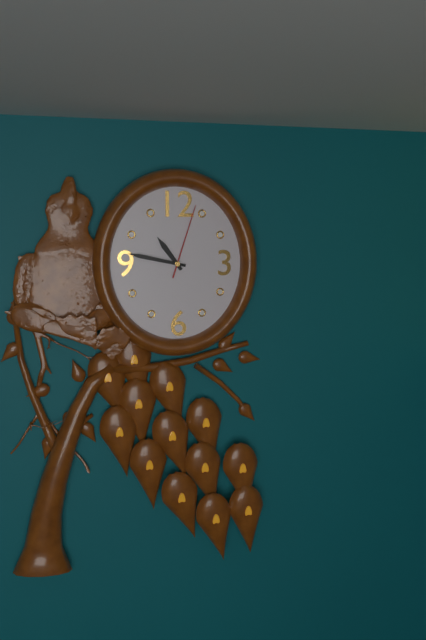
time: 10:47:03
